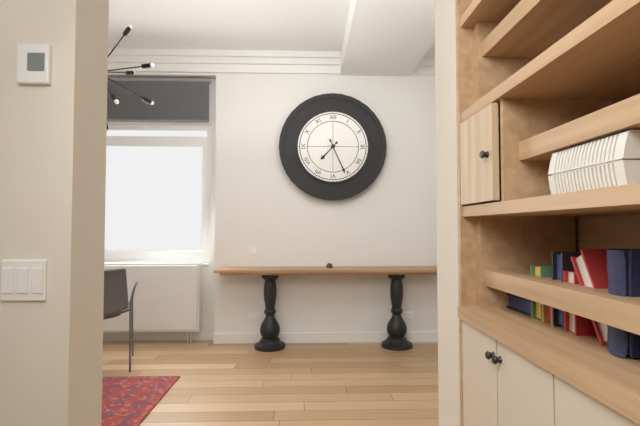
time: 7:26
